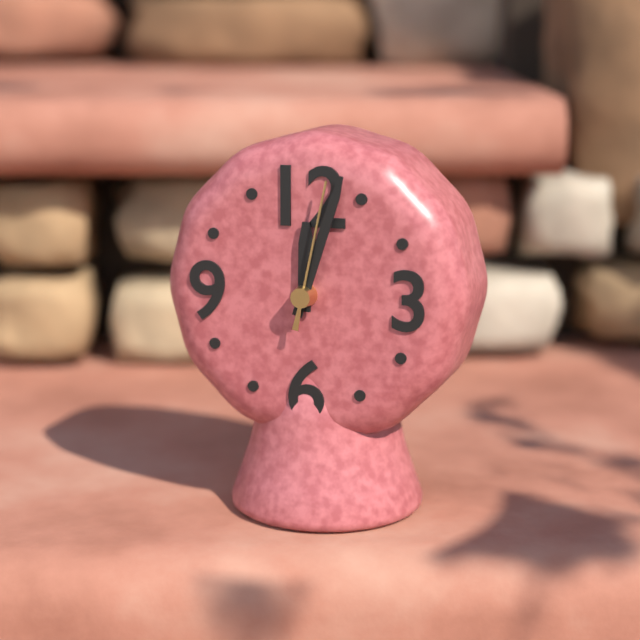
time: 12:03:02
